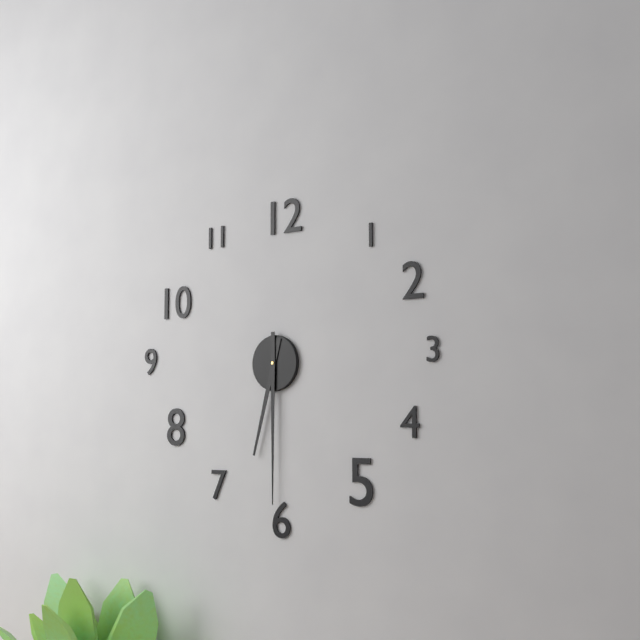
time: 6:30
